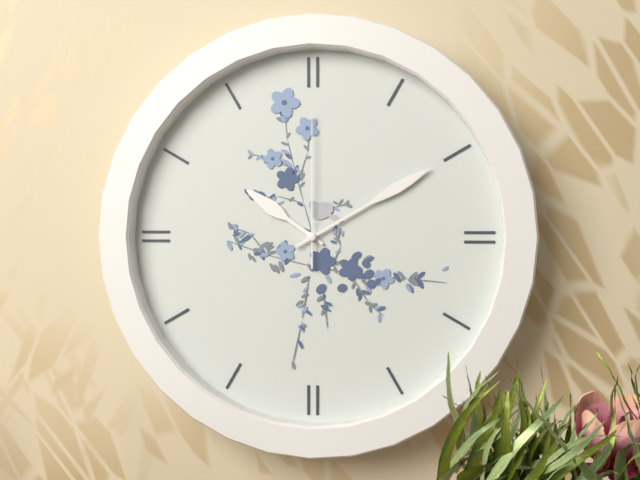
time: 10:10:00
